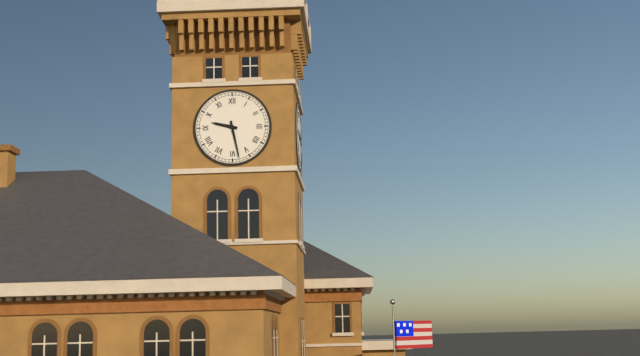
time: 9:28
